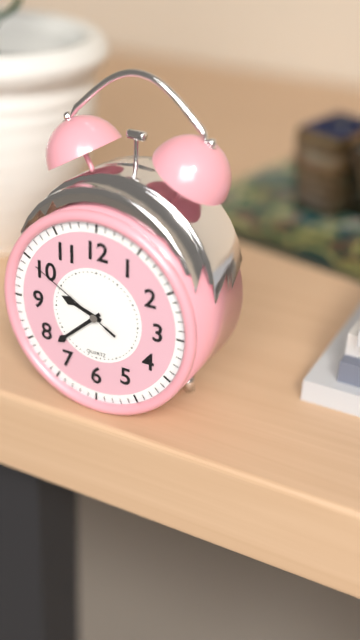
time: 9:38:50
